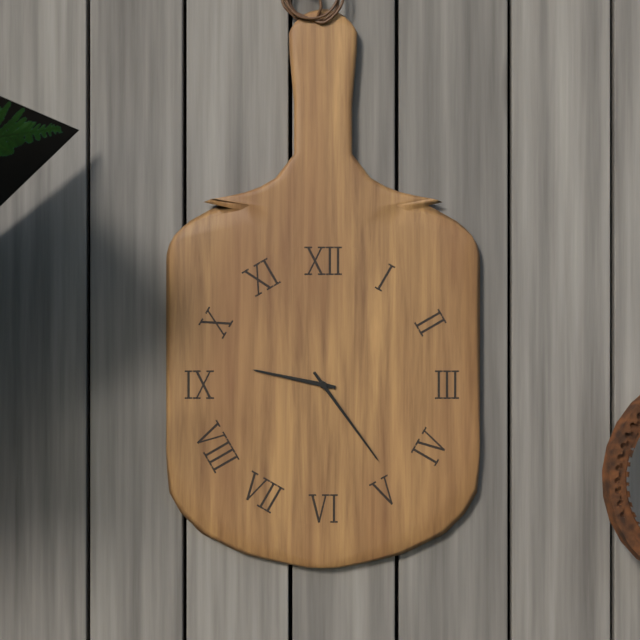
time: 9:24
